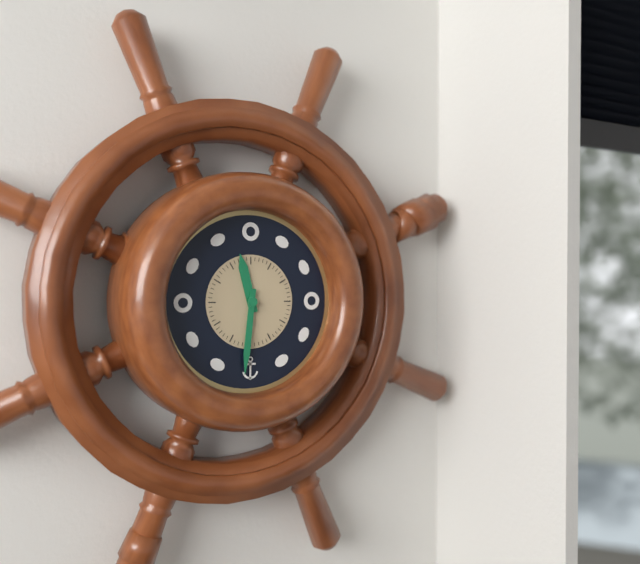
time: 11:31
